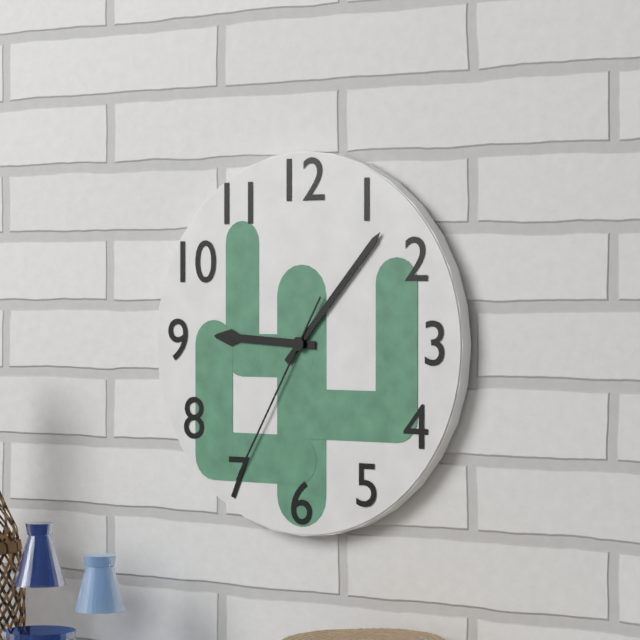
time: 9:07:35
